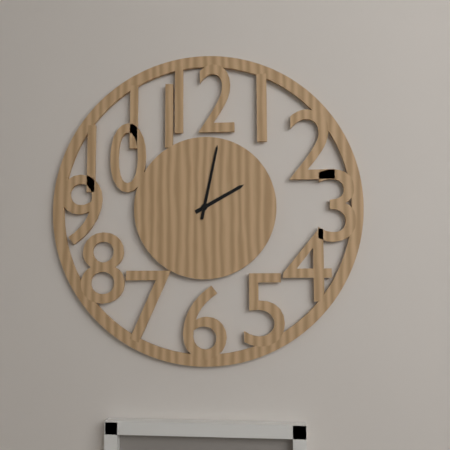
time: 2:02
